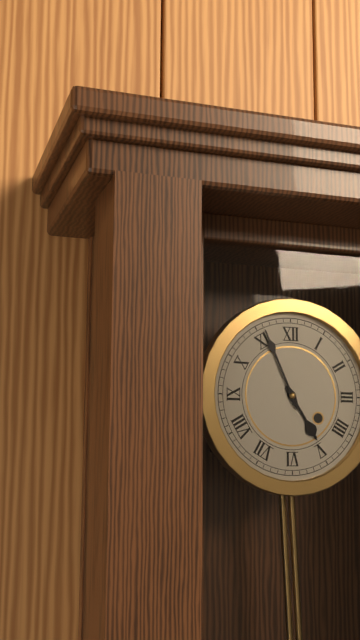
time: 4:56
